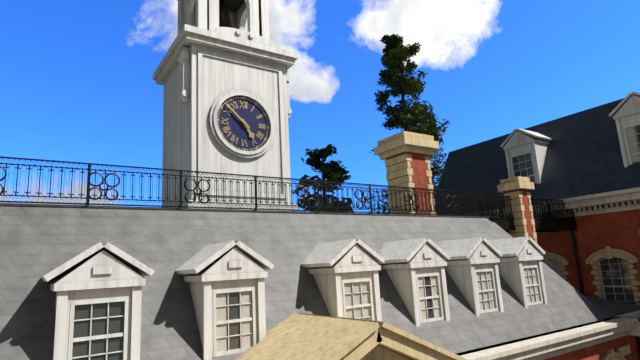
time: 4:52
